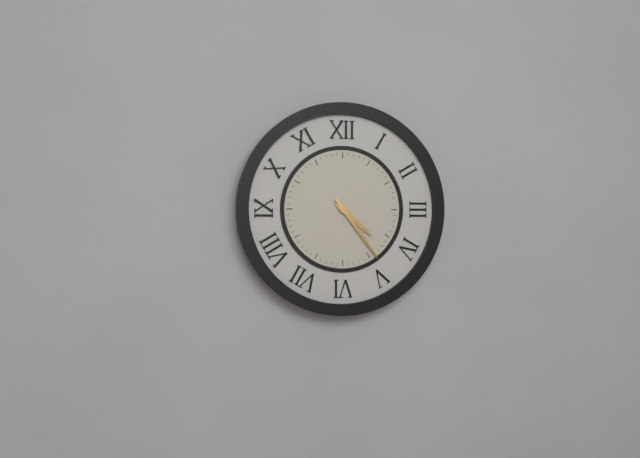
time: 4:24
